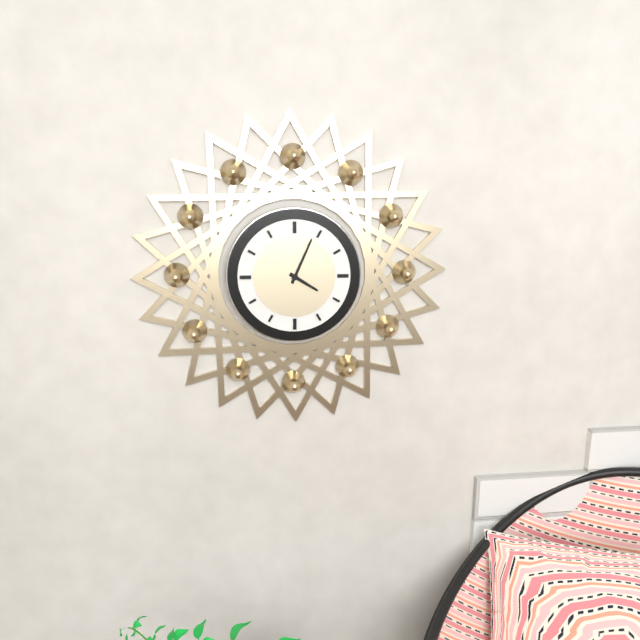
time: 4:04
